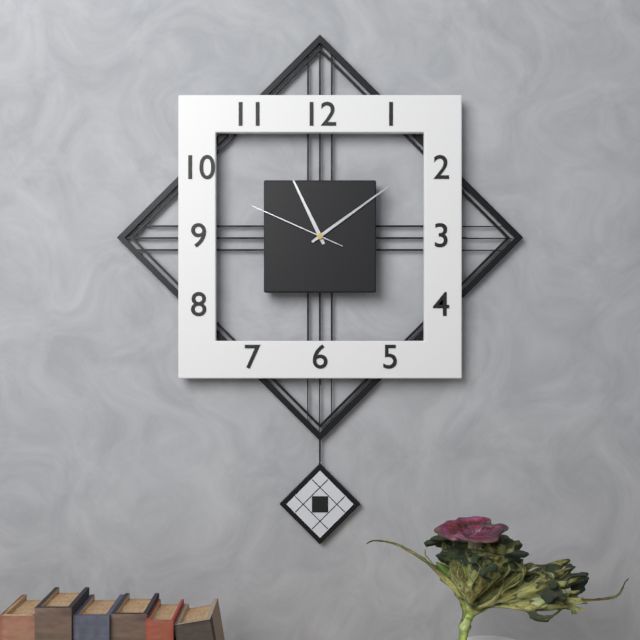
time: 11:09:49
